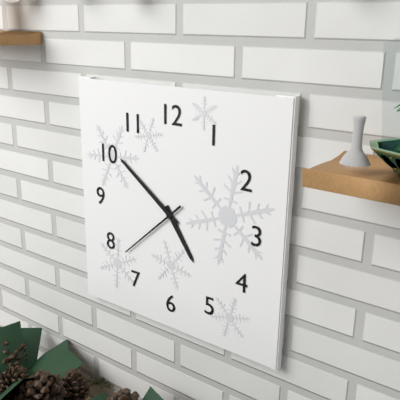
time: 4:51:38
